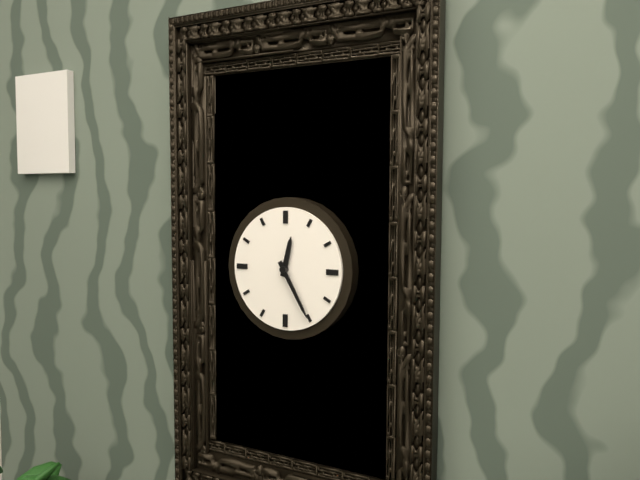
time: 12:25
